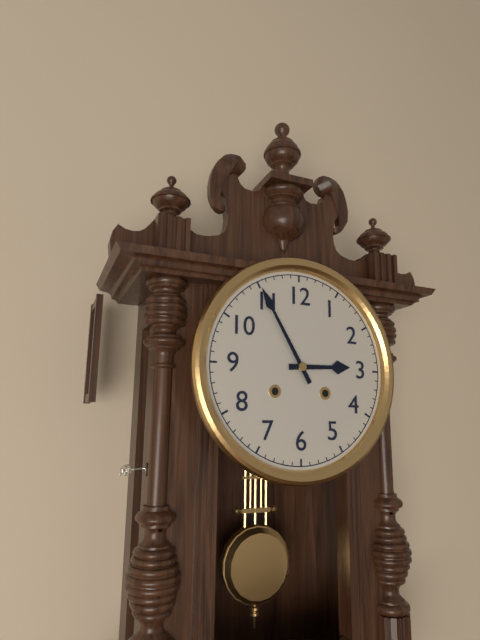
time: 2:55
